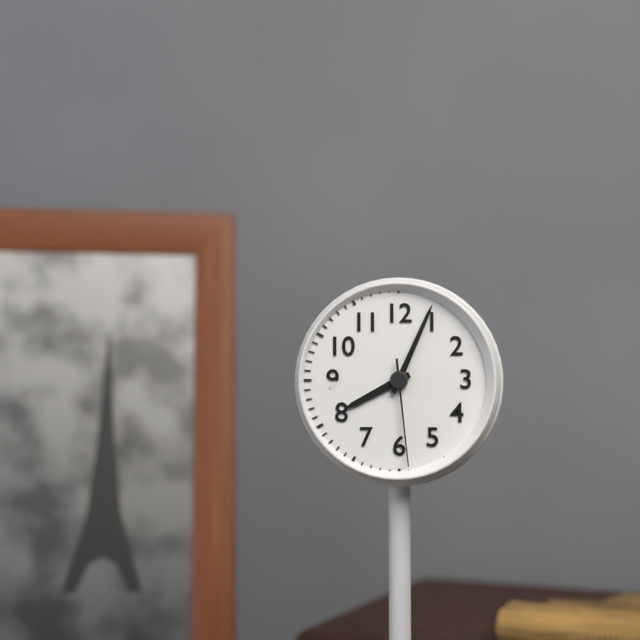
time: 8:04:29
